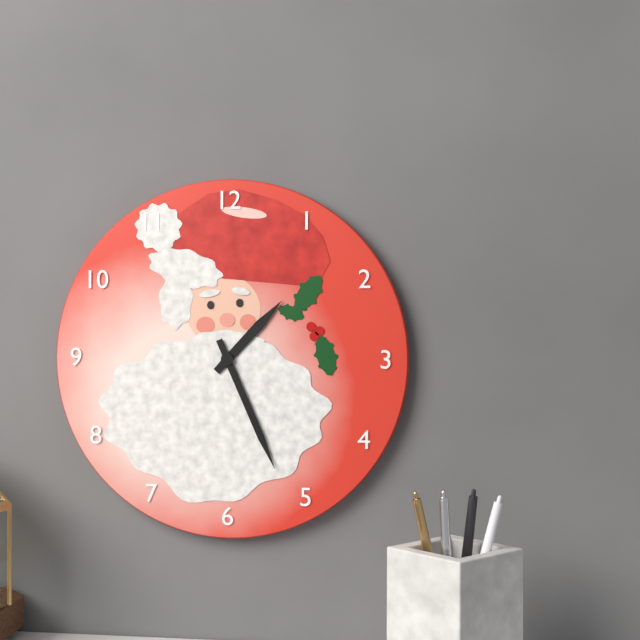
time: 1:26
